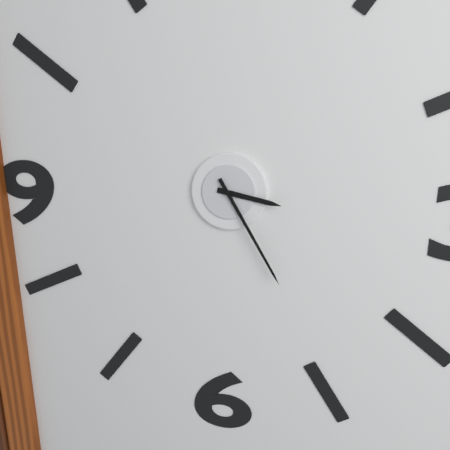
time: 3:25
